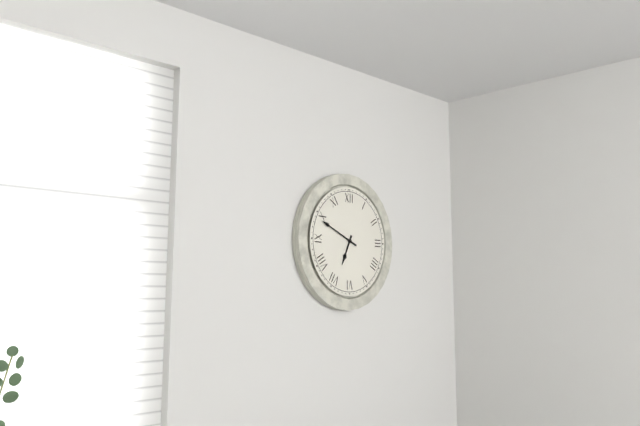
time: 6:49
